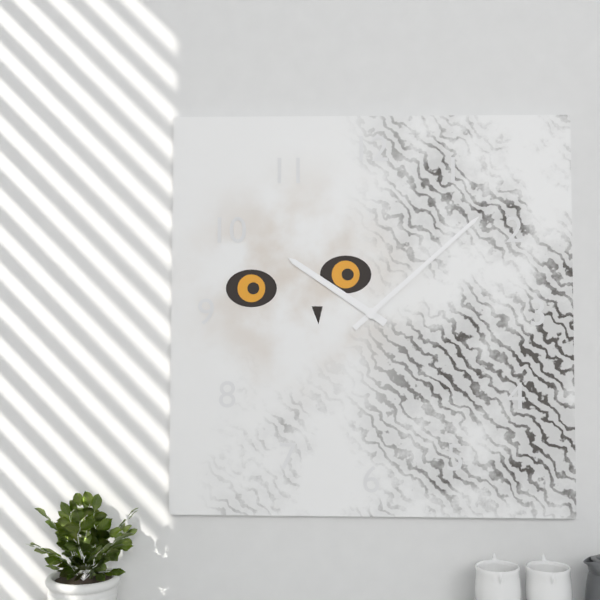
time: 10:08
